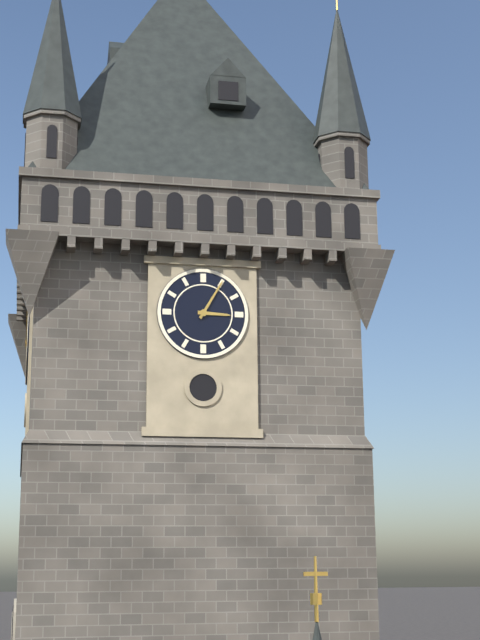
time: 3:05
